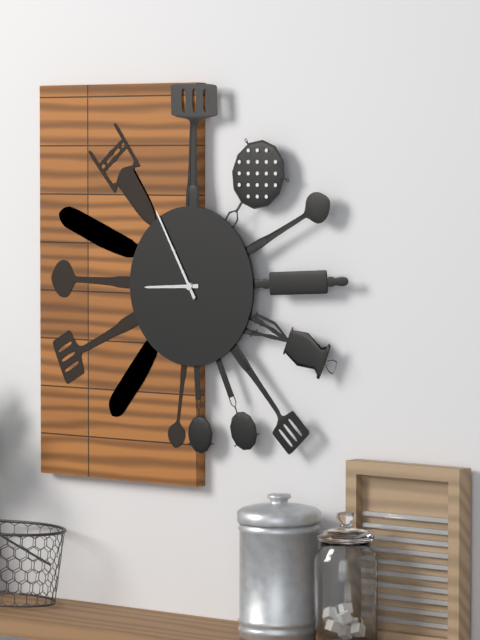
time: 8:55
